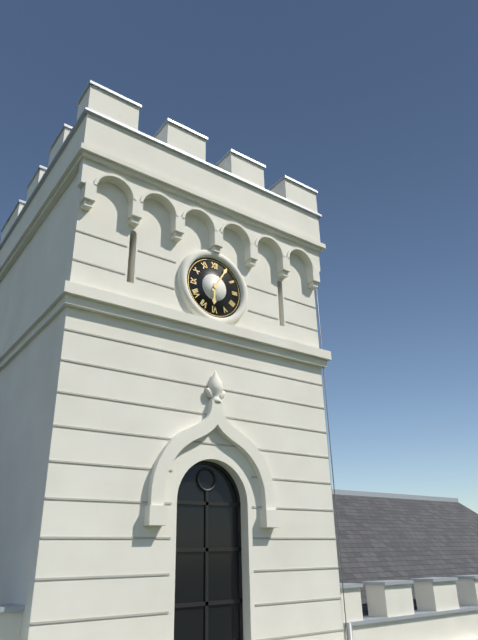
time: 6:05
